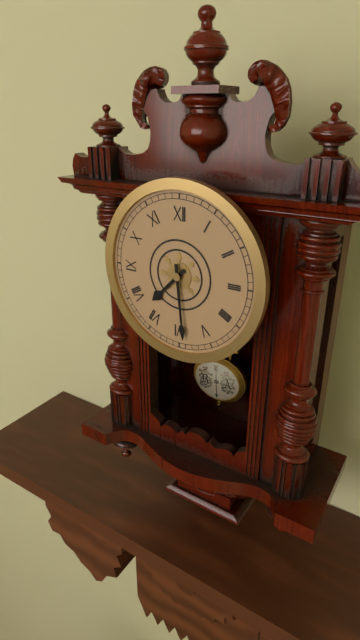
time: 7:29
